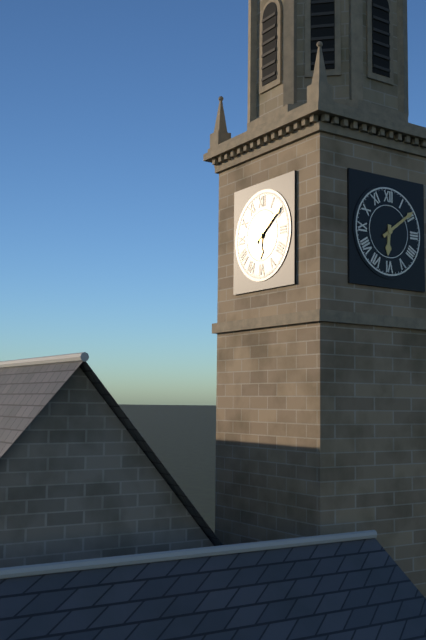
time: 6:09
